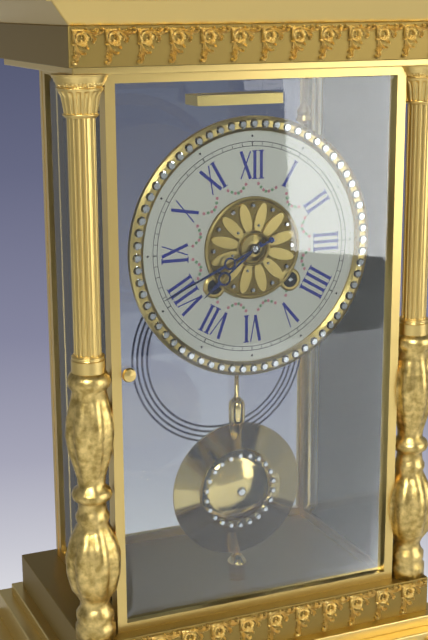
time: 7:41
